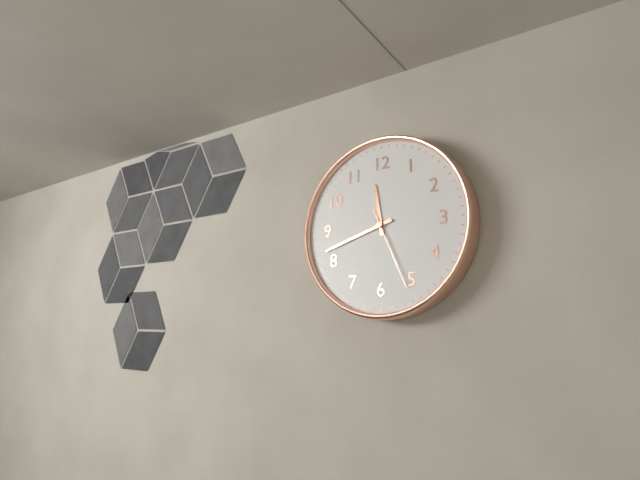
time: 11:42:26
